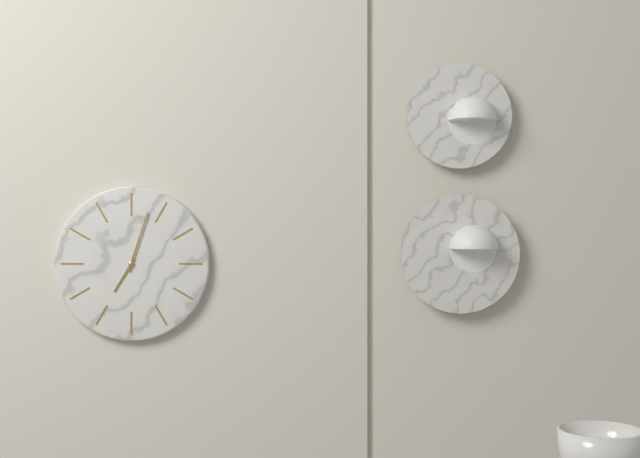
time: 7:03
